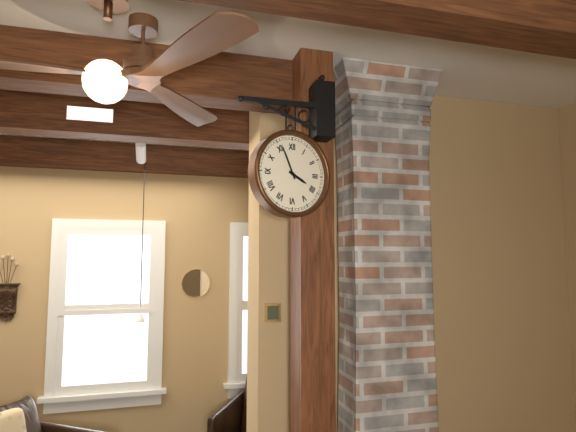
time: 3:56
